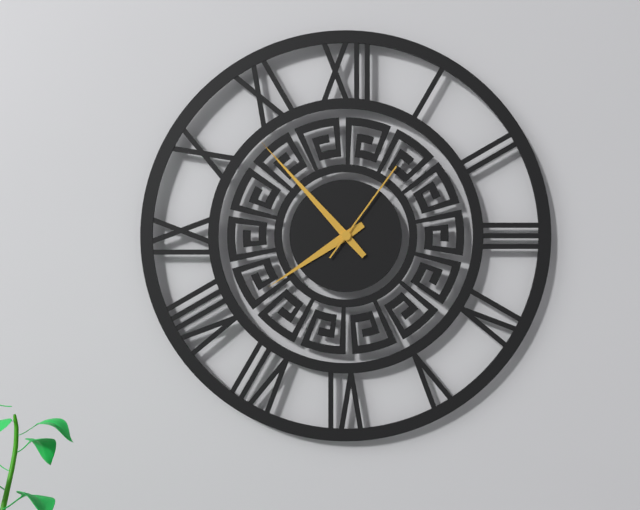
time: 7:53:06
